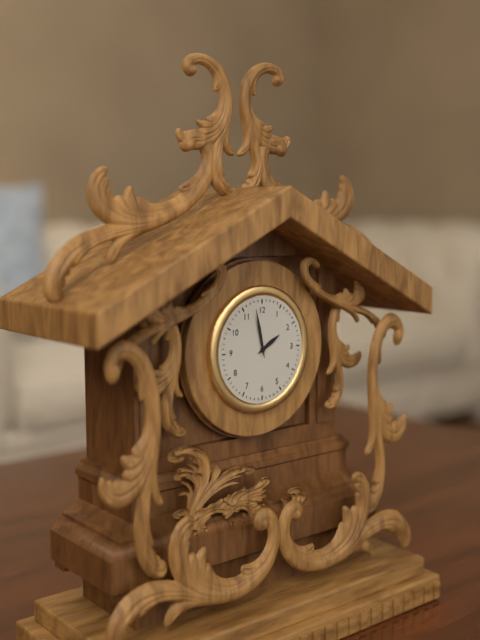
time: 1:58
